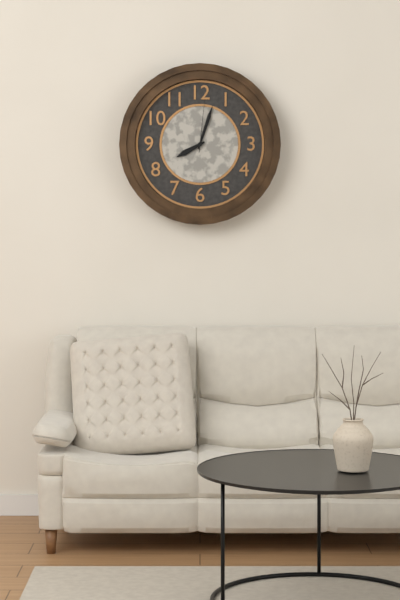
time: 8:03:01
